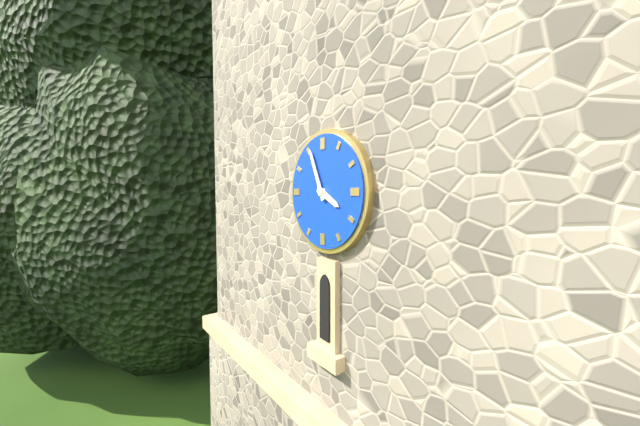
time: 3:56
